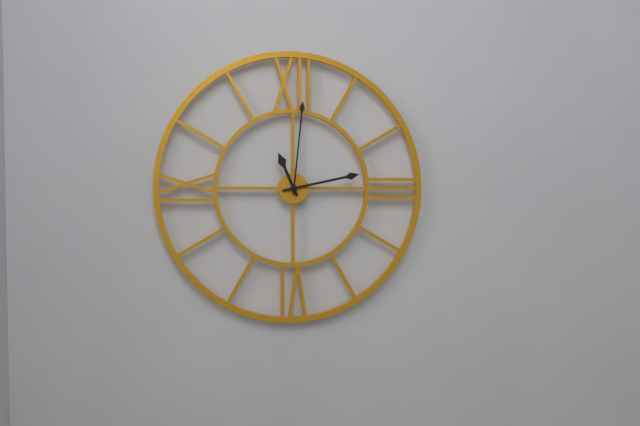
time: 11:13:01
